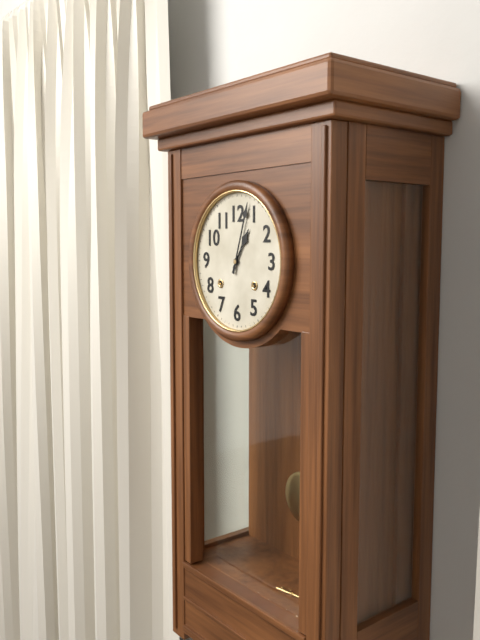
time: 1:03
